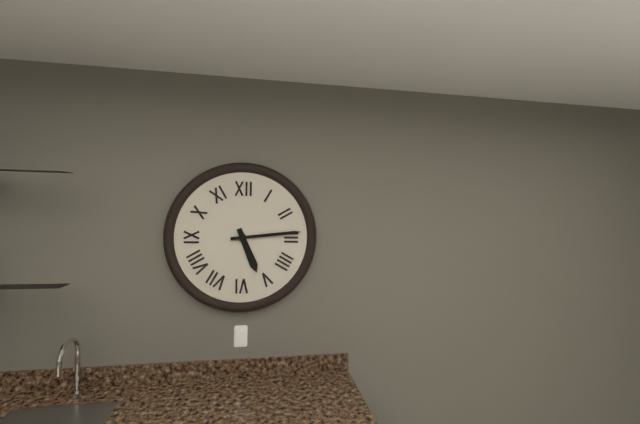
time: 5:14
